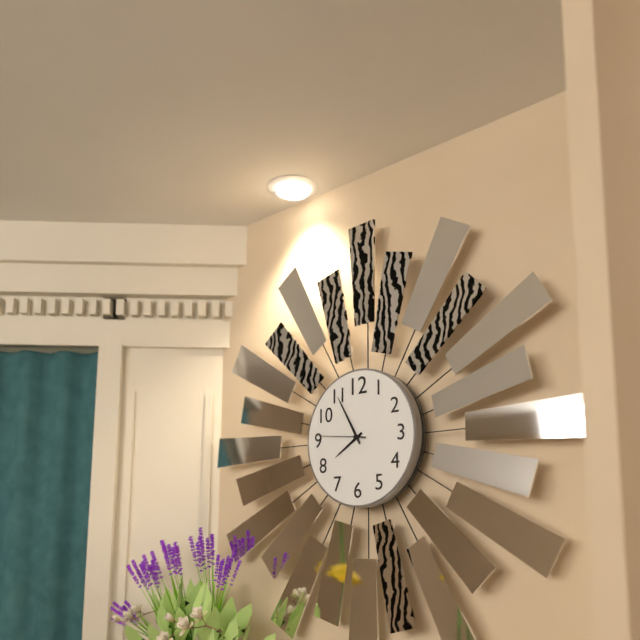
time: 7:55:46
